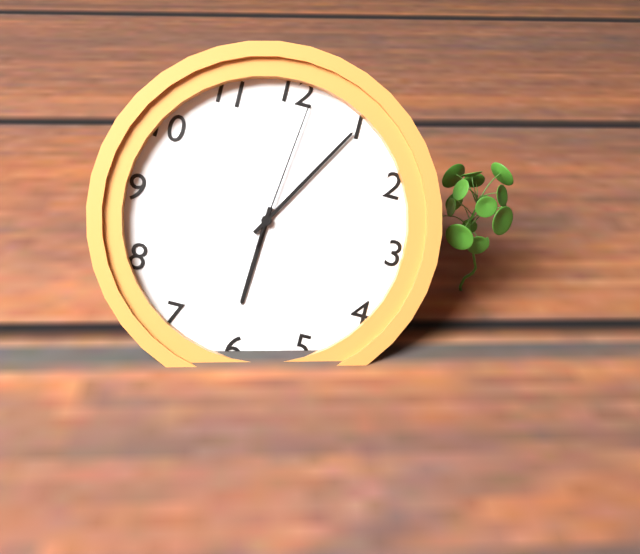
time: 6:05:01
